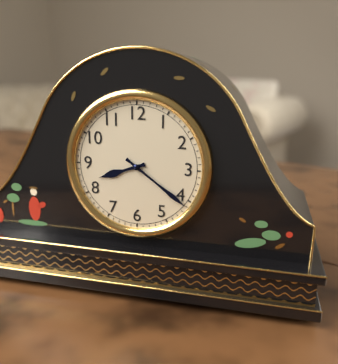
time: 8:21
